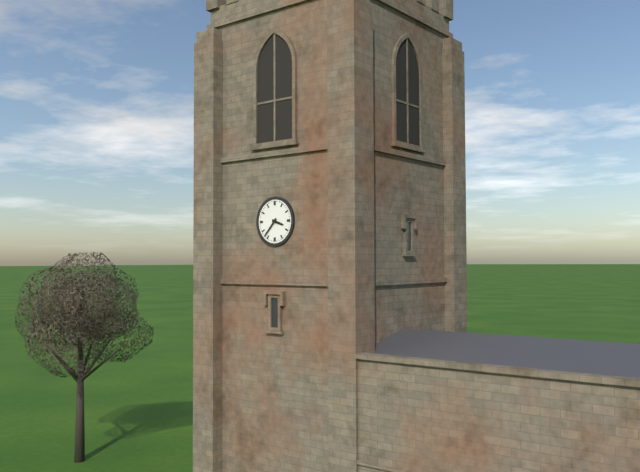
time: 3:37
